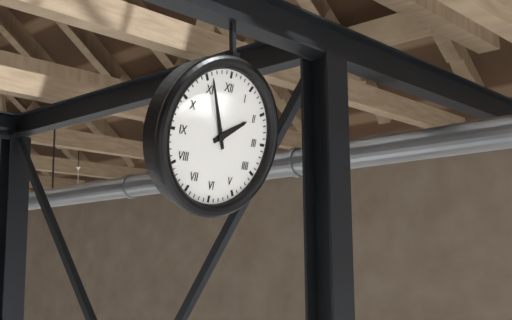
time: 1:56
